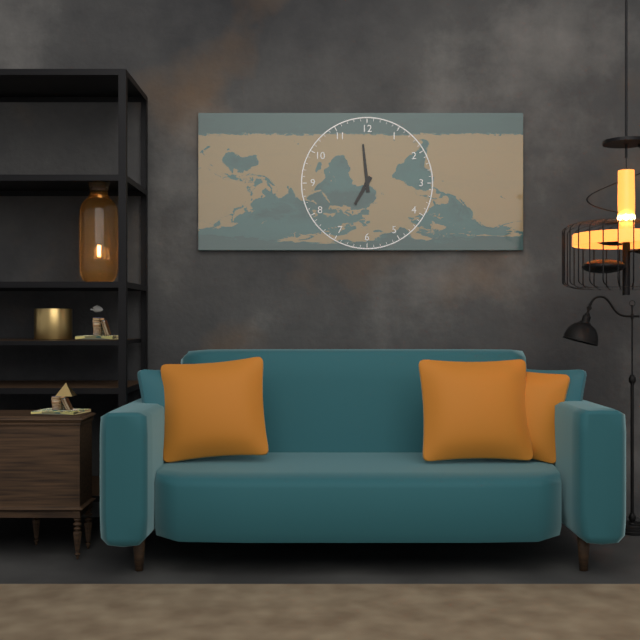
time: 6:59
